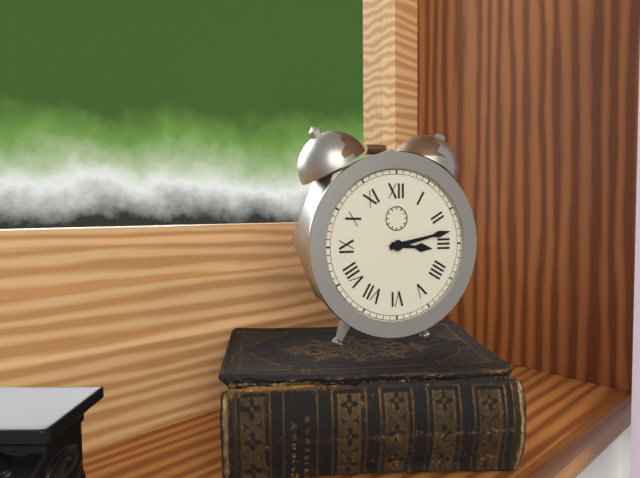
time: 3:13
